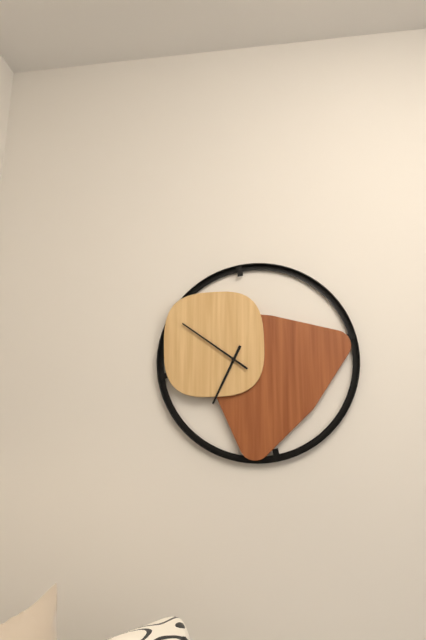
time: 6:51
